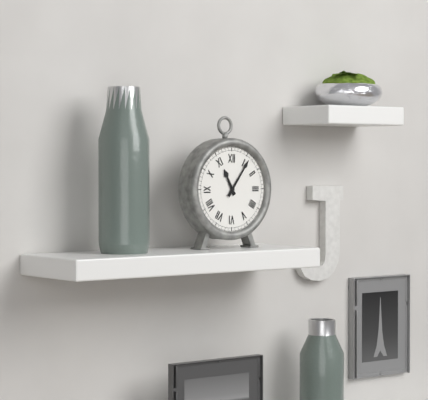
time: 11:06
